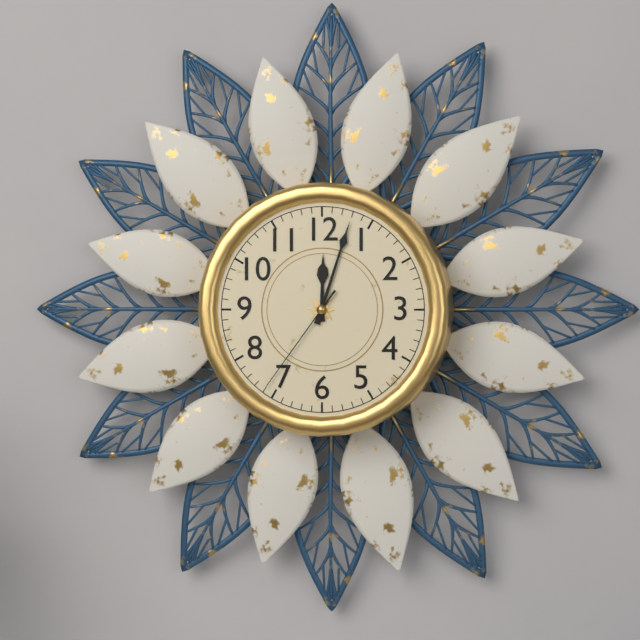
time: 12:03:36
